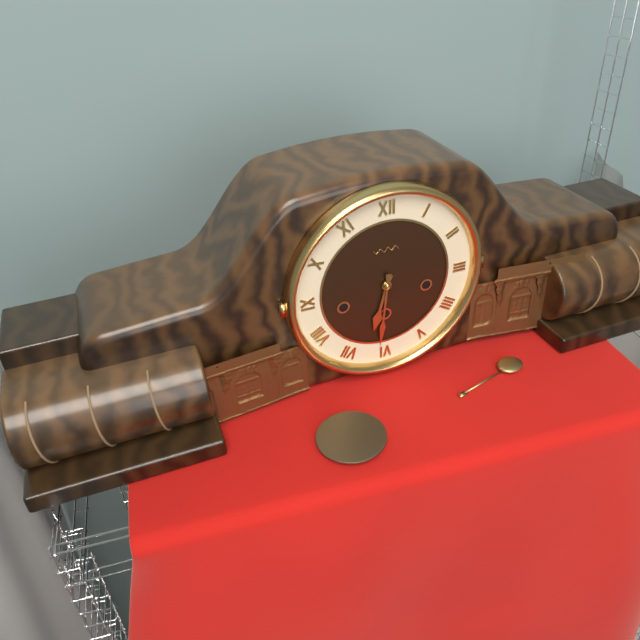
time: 6:31
